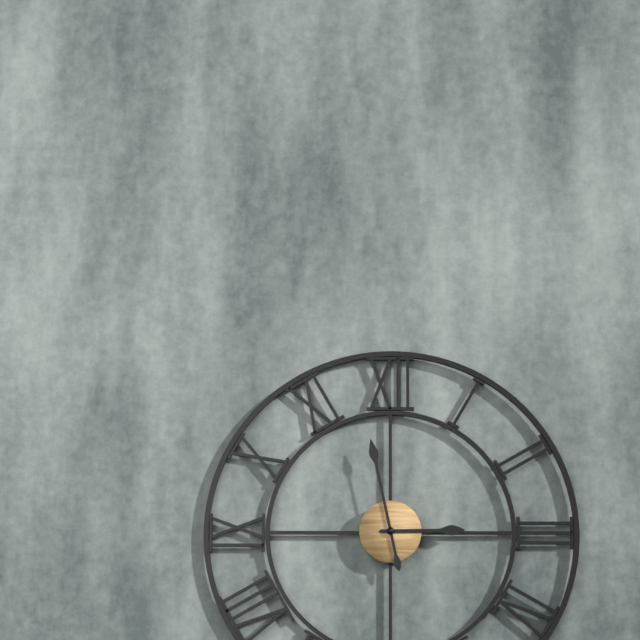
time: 2:58
